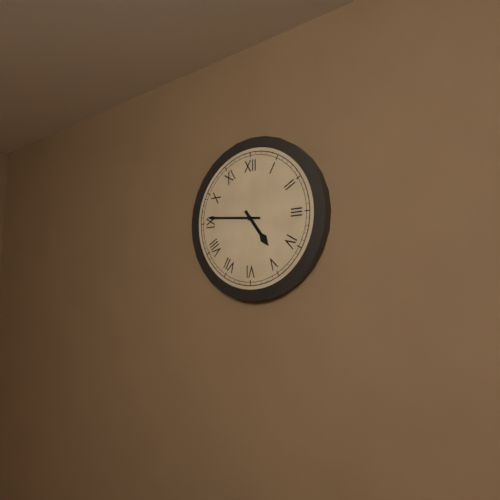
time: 4:46
